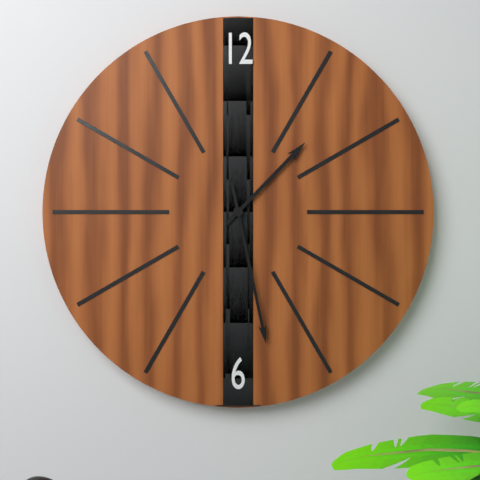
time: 1:28
